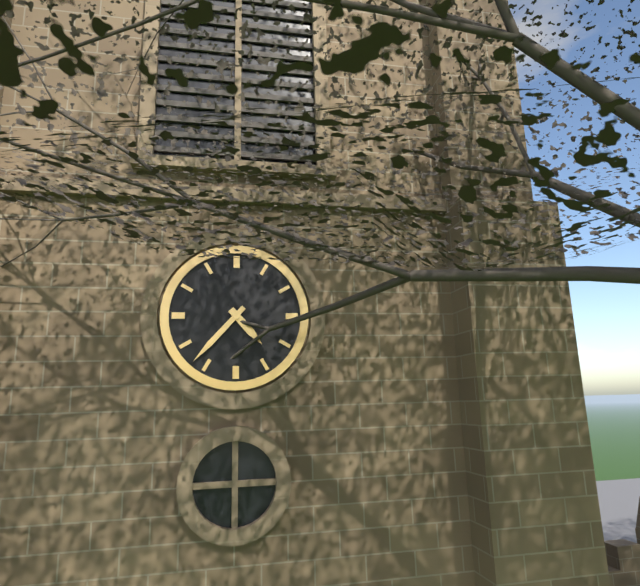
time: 4:37
